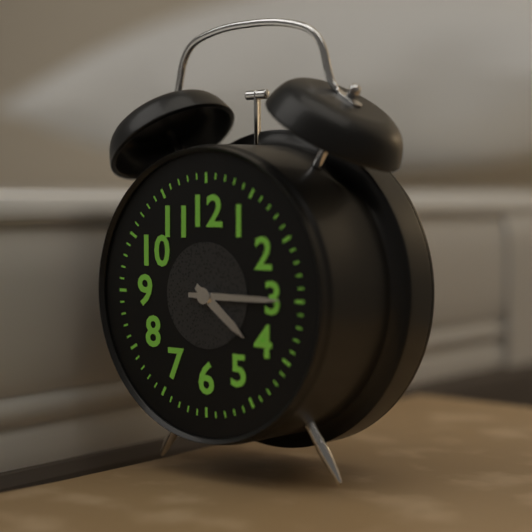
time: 4:15
